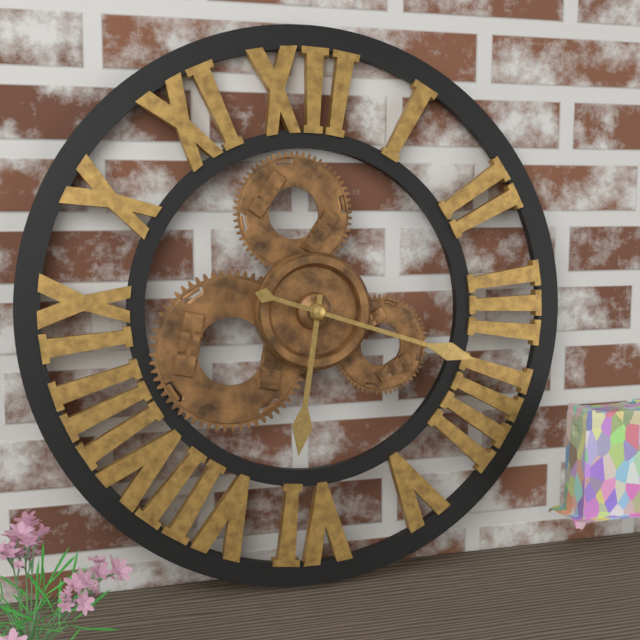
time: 6:18
